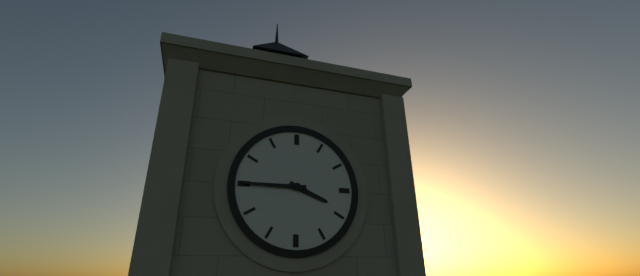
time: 3:45
